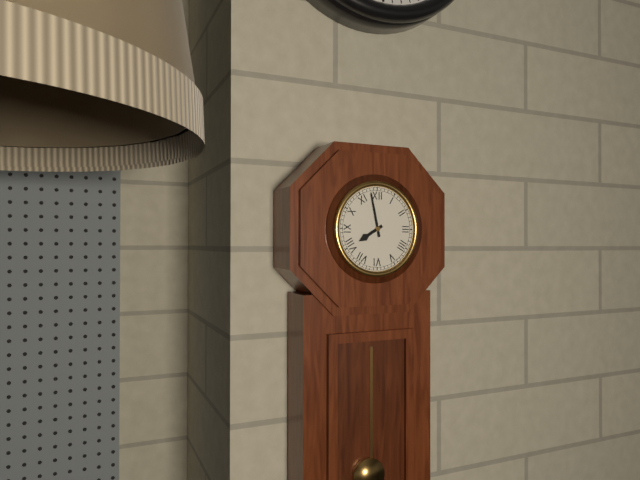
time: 7:58
